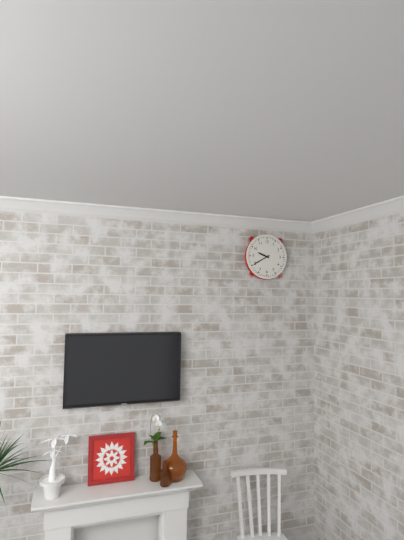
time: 9:40
